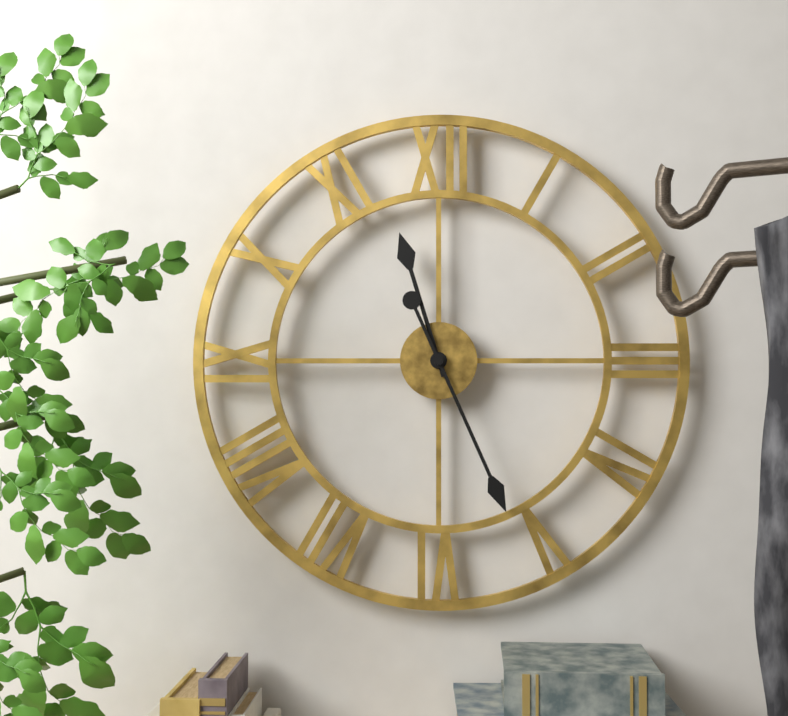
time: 11:26
